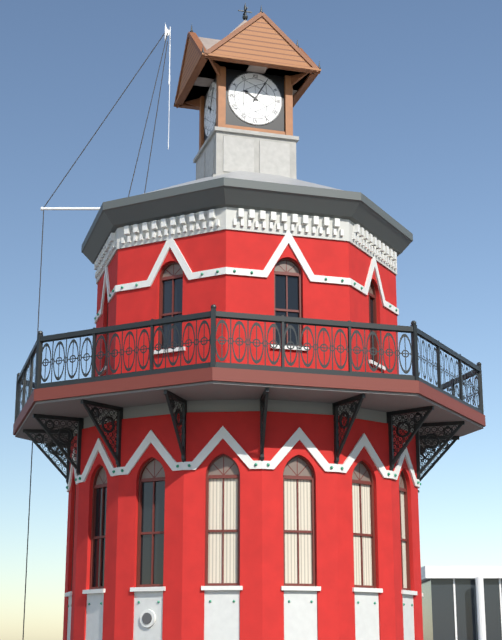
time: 10:05
